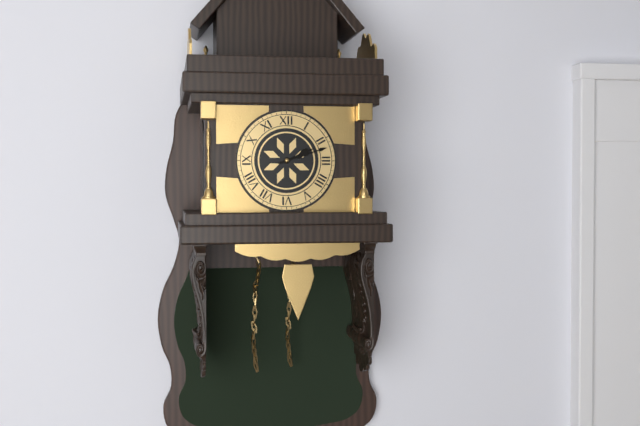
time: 2:12
